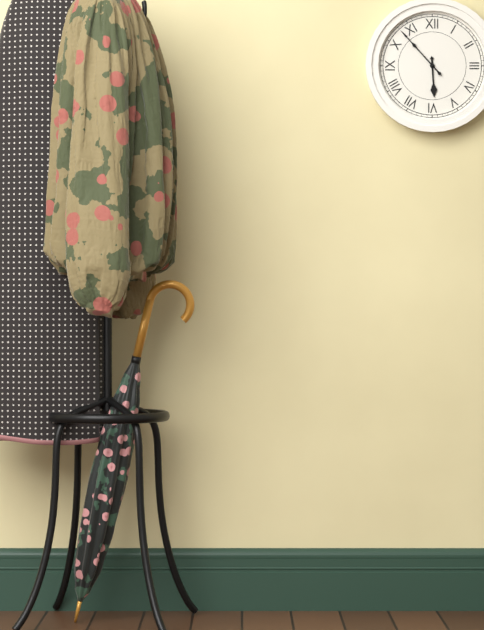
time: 5:53
